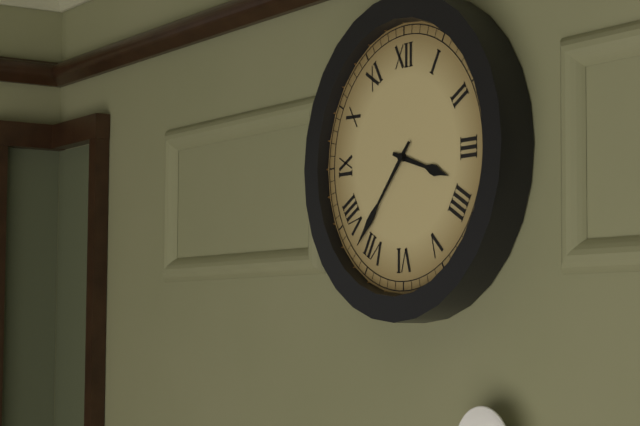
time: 3:37
